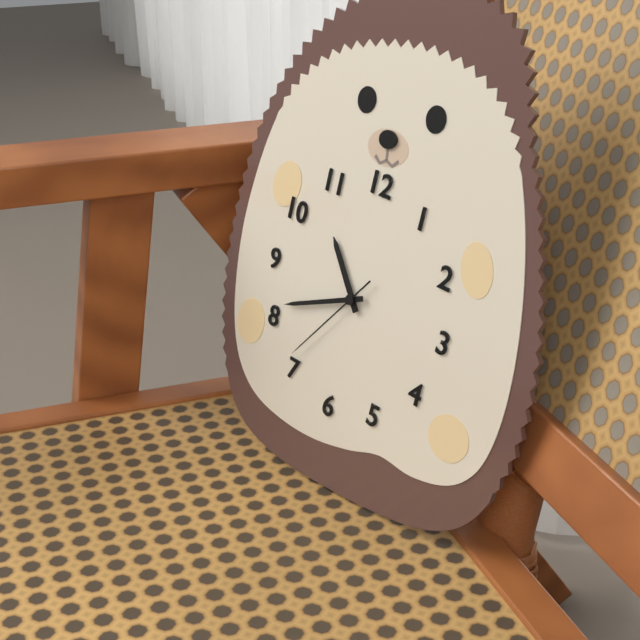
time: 10:41:36
